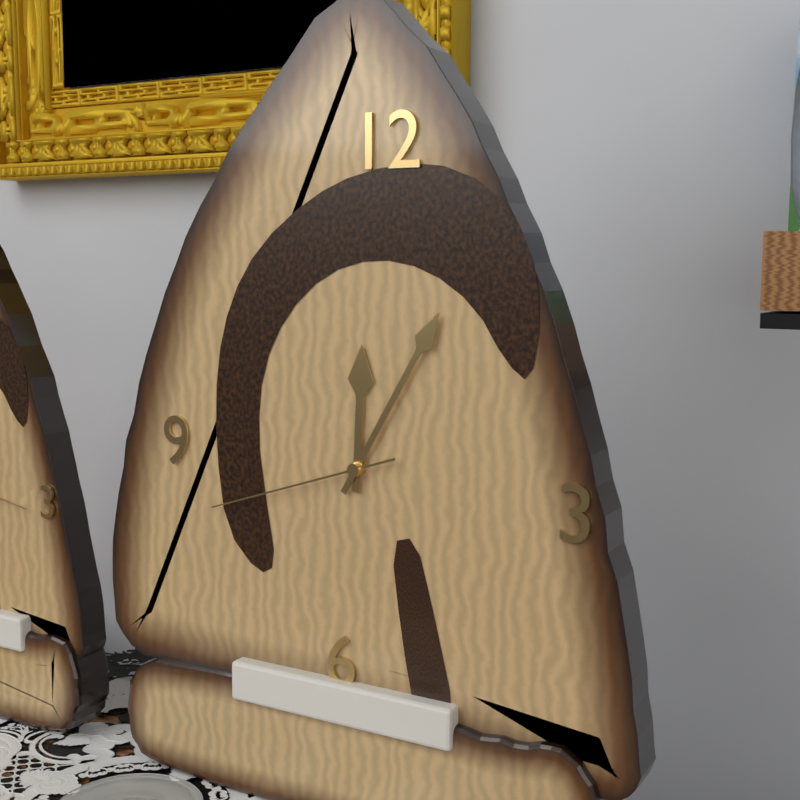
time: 12:05:42
